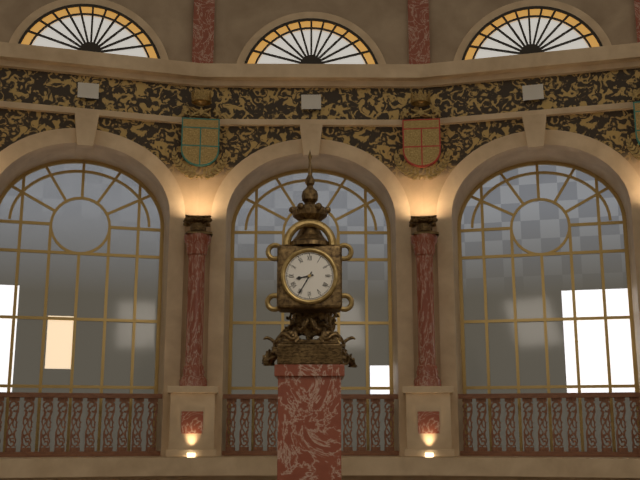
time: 8:35
